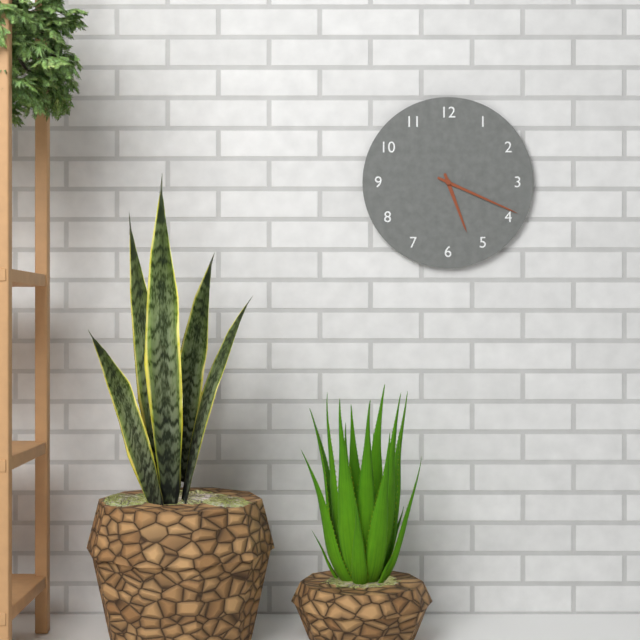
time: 5:19
